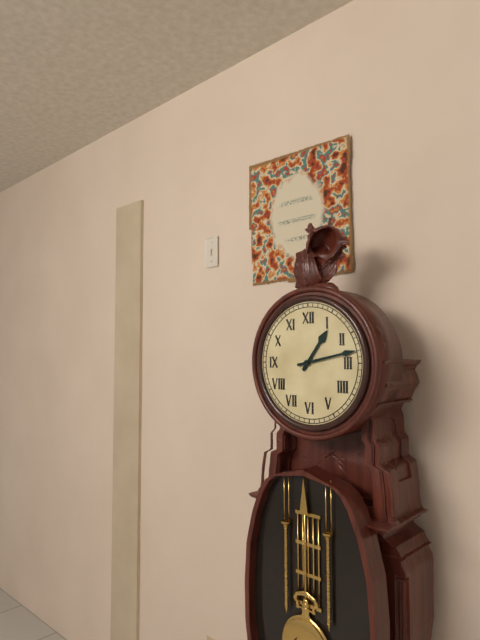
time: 1:13
